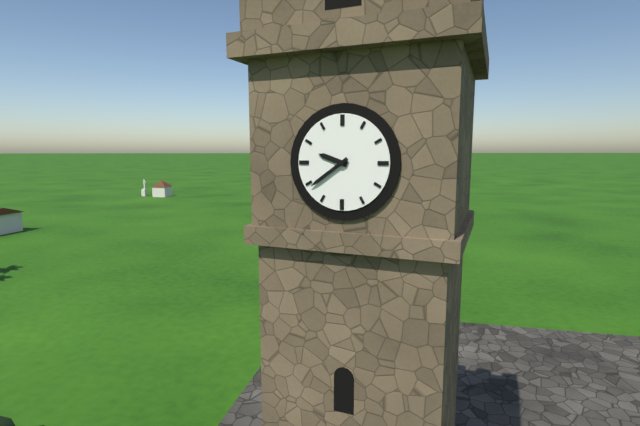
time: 9:39
